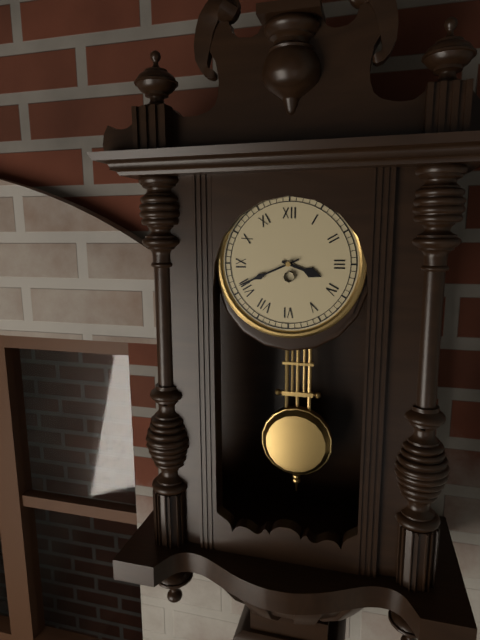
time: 3:41
